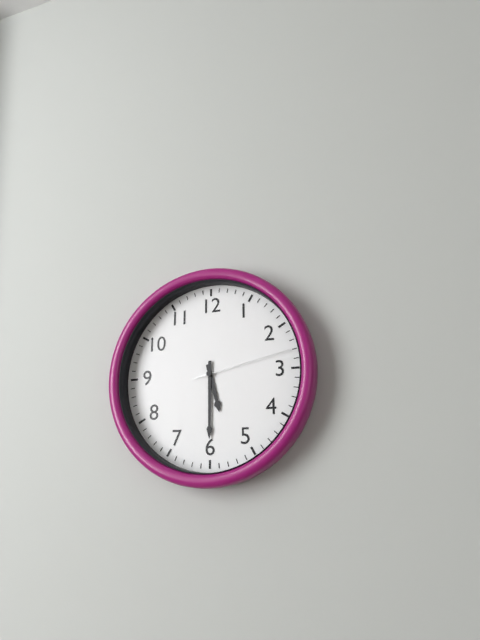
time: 5:30:13
